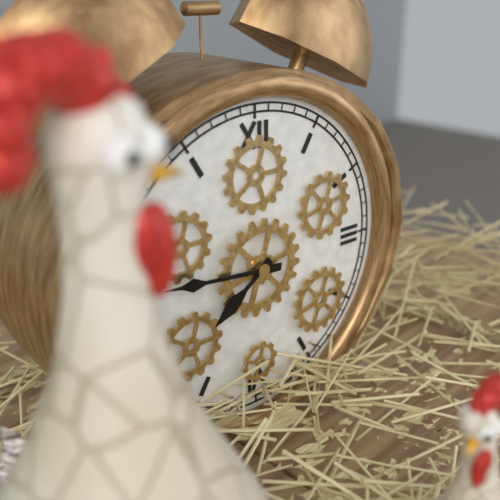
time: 7:46
